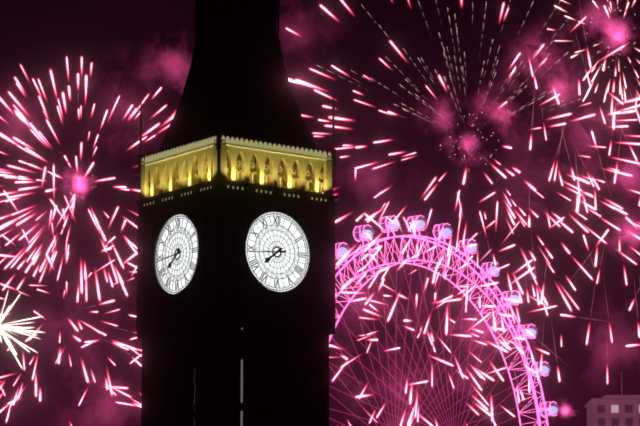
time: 7:44
